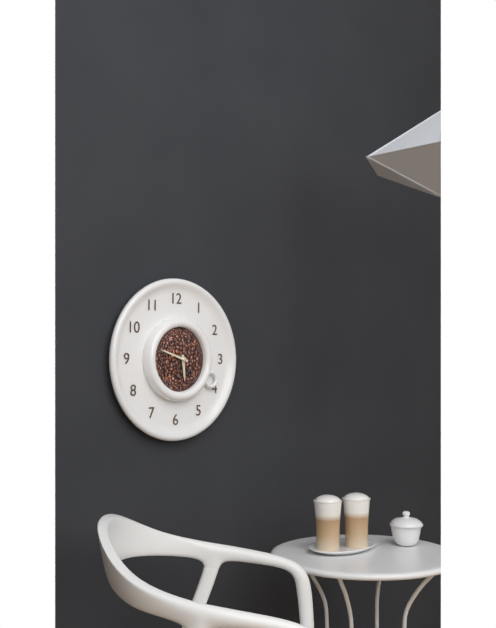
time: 5:48
